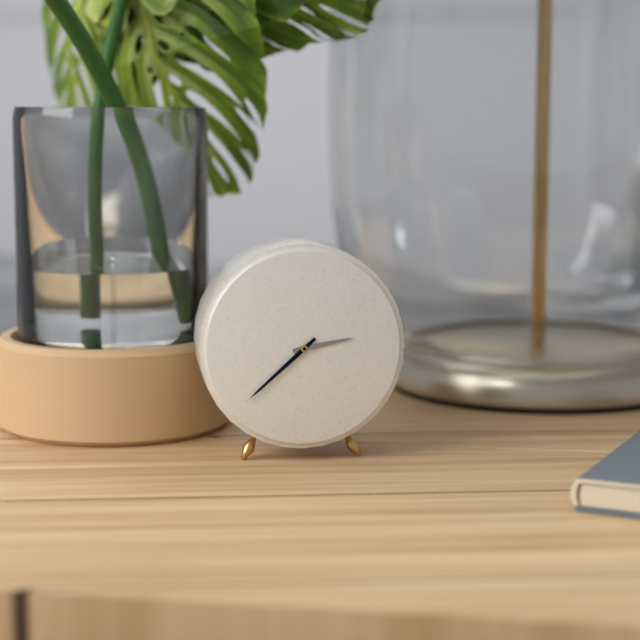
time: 2:38
